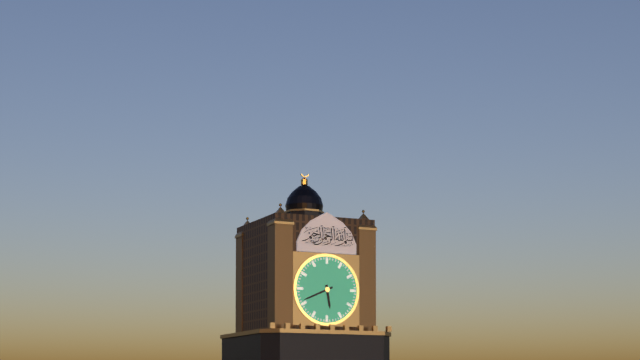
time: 5:41
